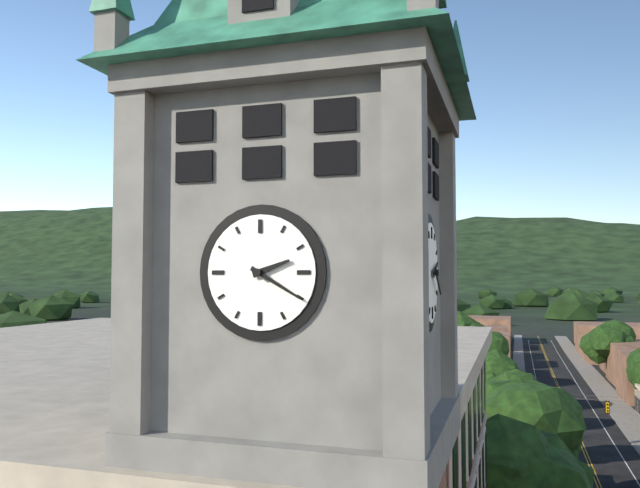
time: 2:20
